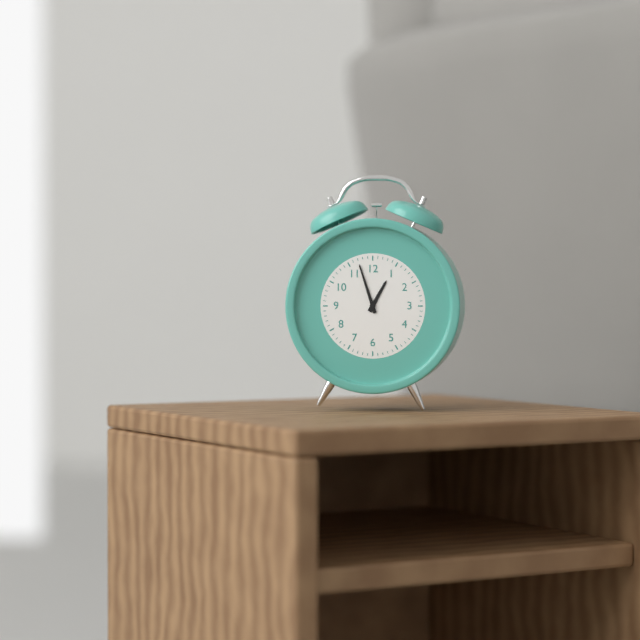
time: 12:57
